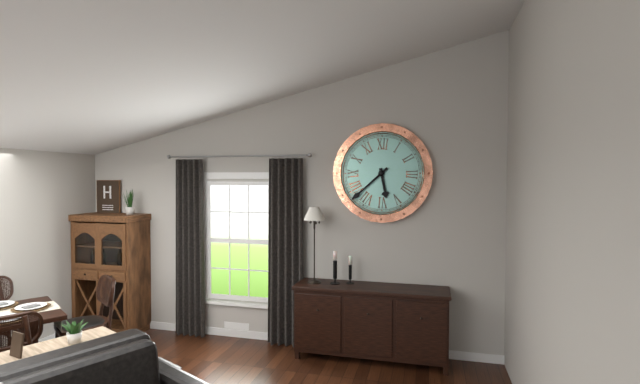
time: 5:38
